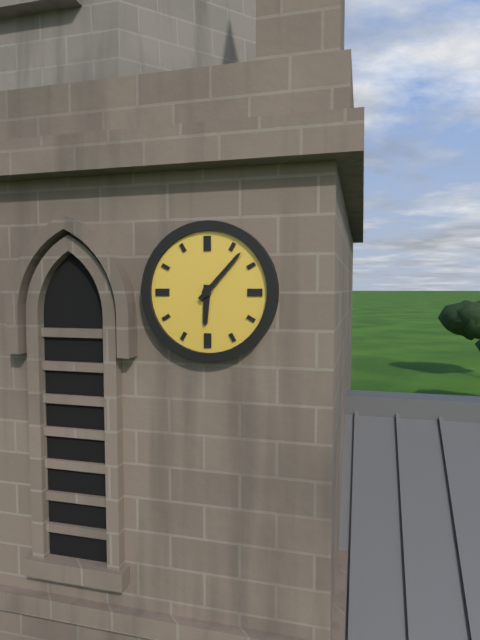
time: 6:07
